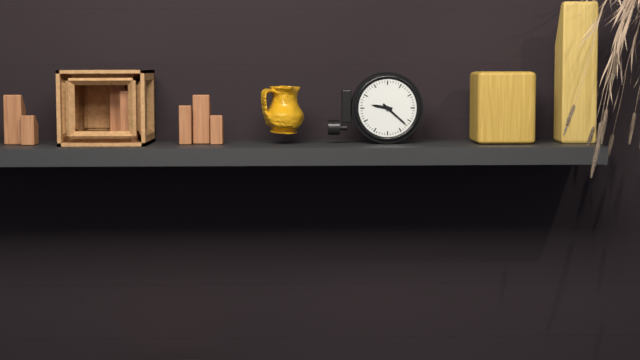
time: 9:22
